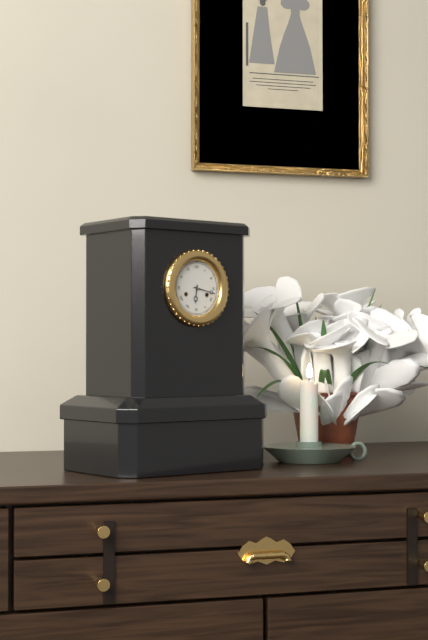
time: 6:17
